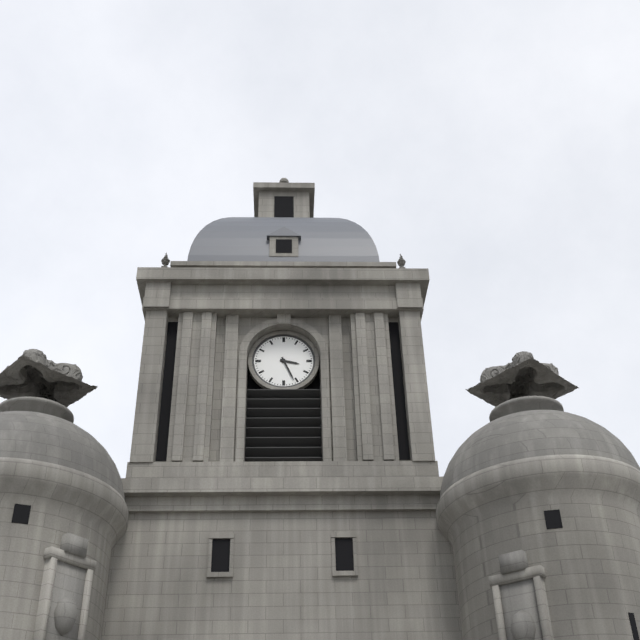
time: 3:26
